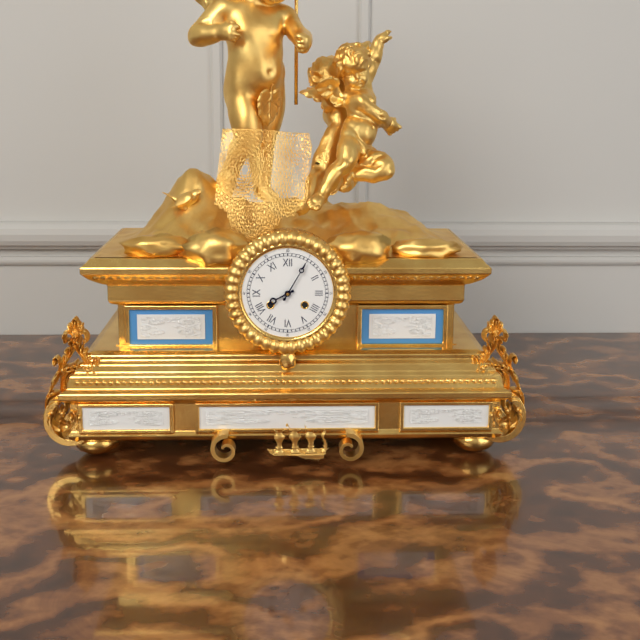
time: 8:05
